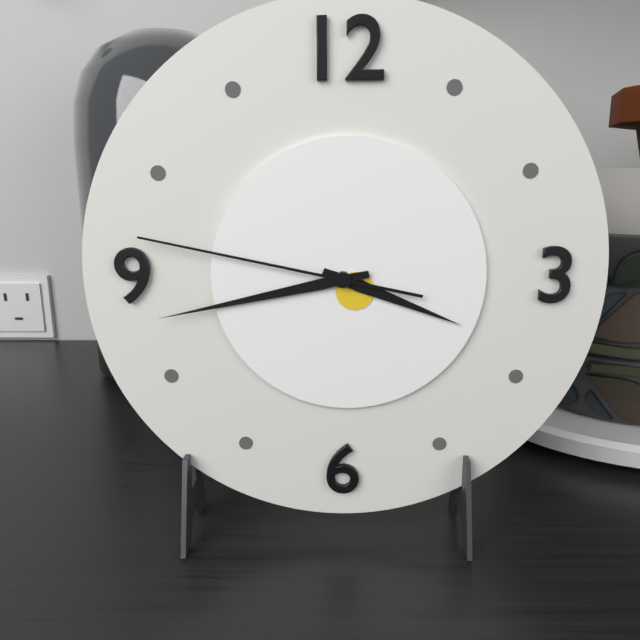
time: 3:43:47
